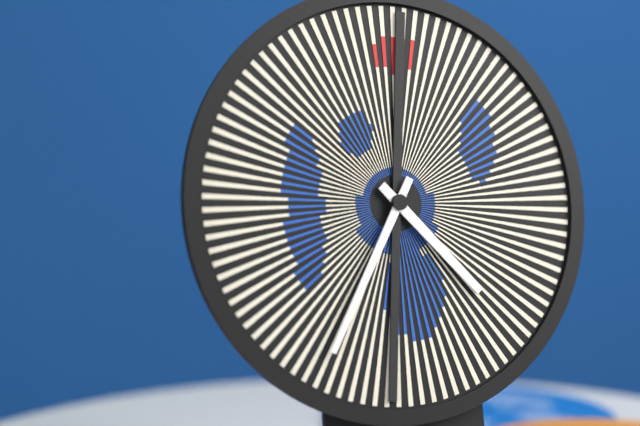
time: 4:35
